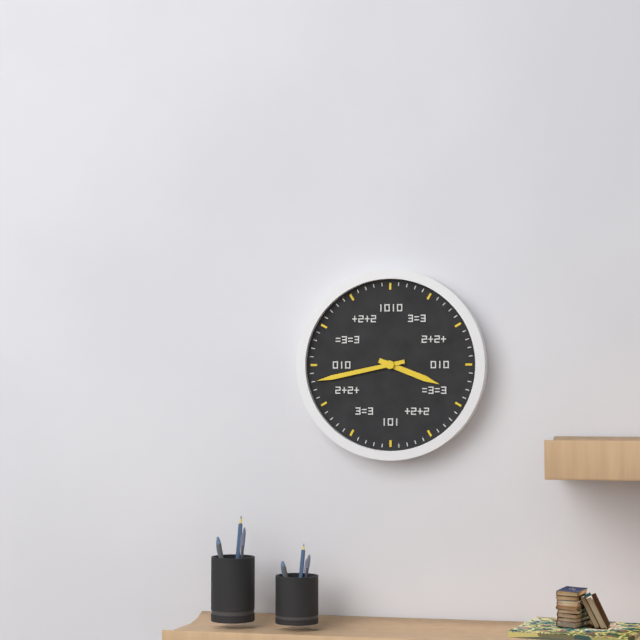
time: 3:43
